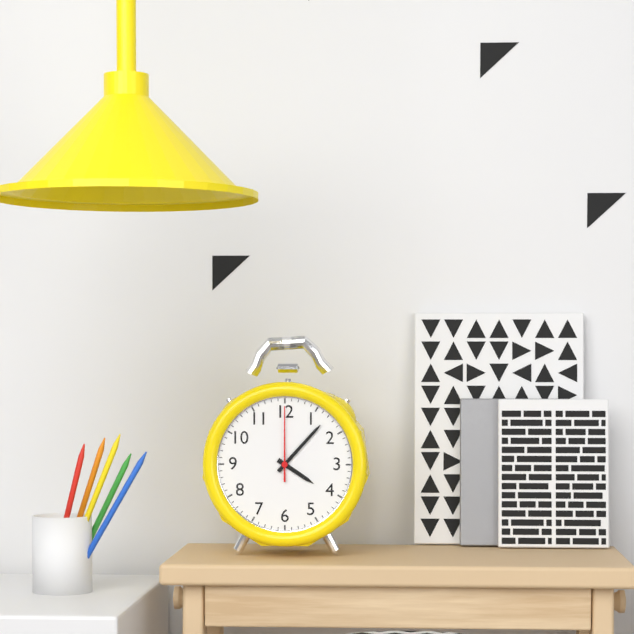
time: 4:07:00
